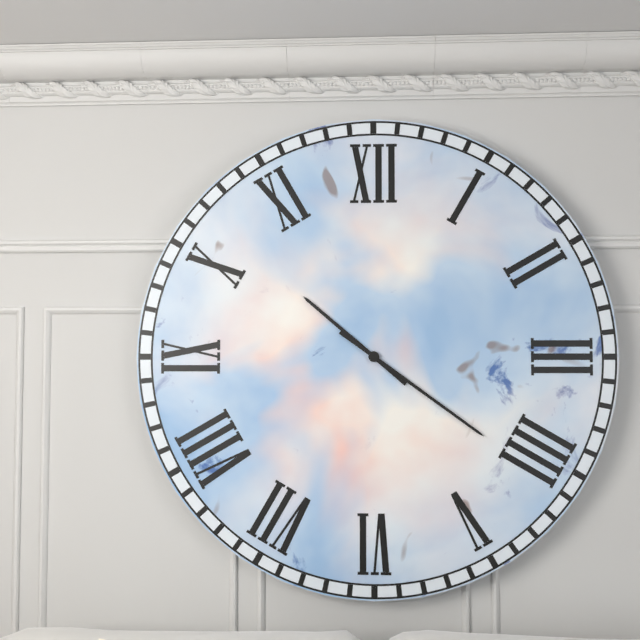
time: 10:21
